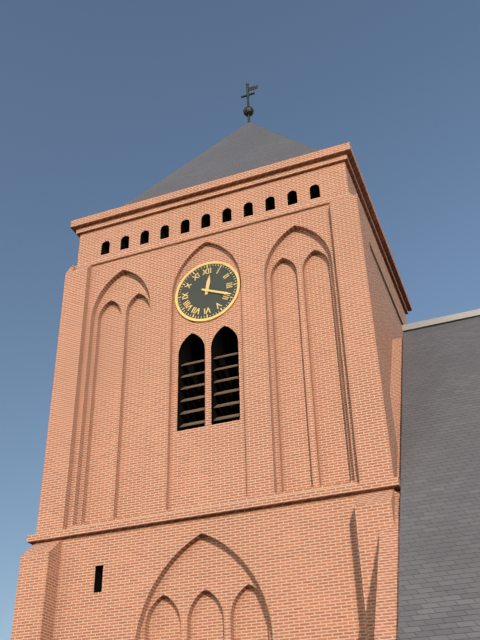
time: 12:19
